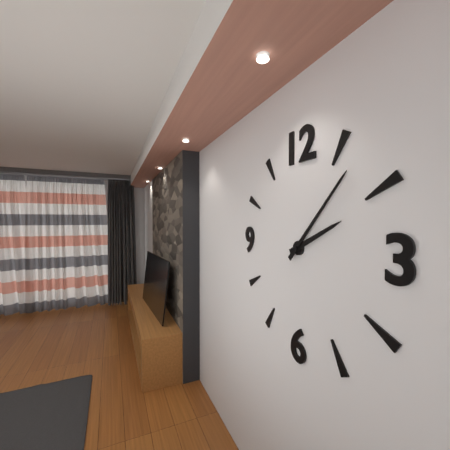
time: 2:07
